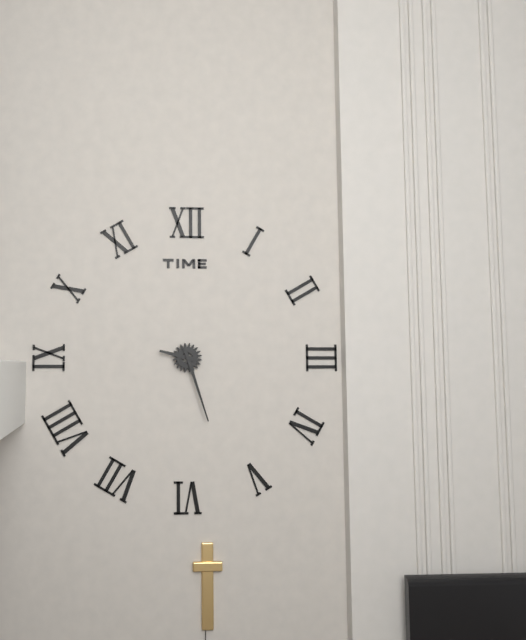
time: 9:27
